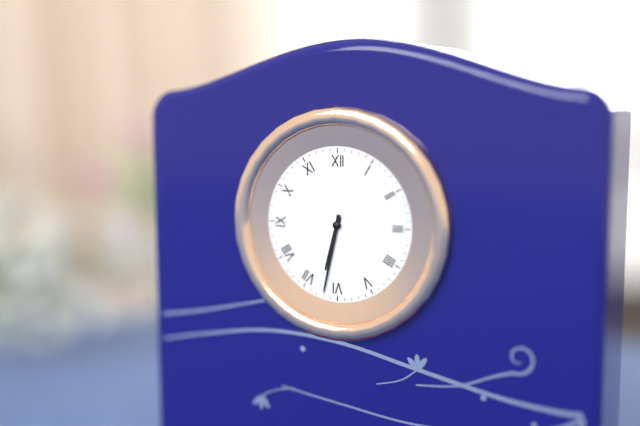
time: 6:32
